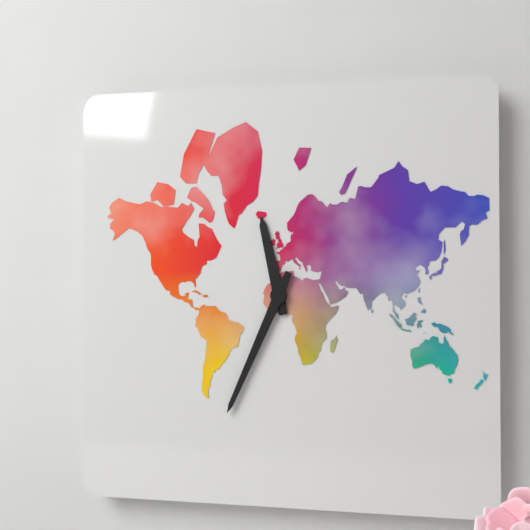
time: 11:34
